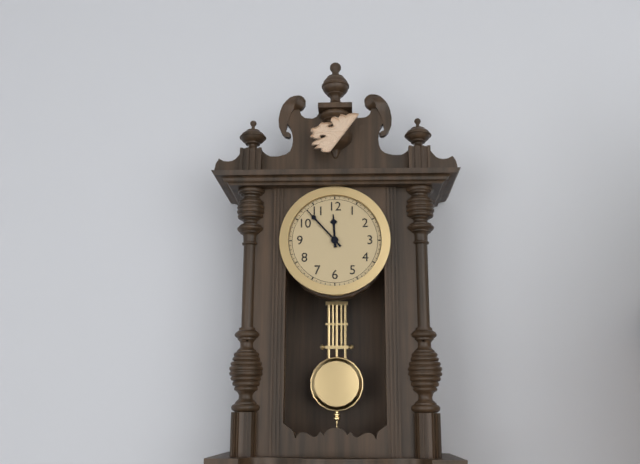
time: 11:53
